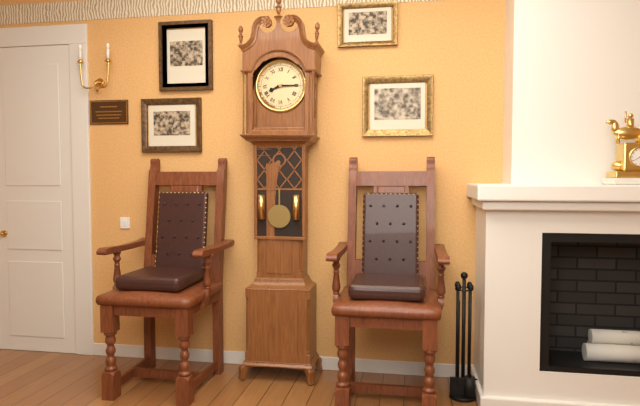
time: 8:15
